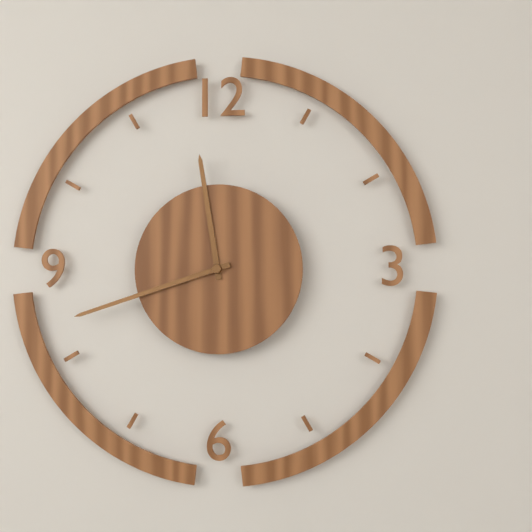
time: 11:42
